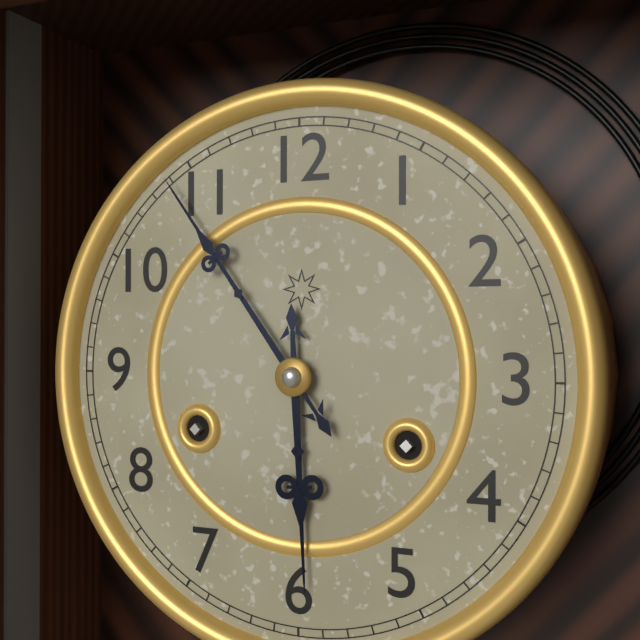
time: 5:54
